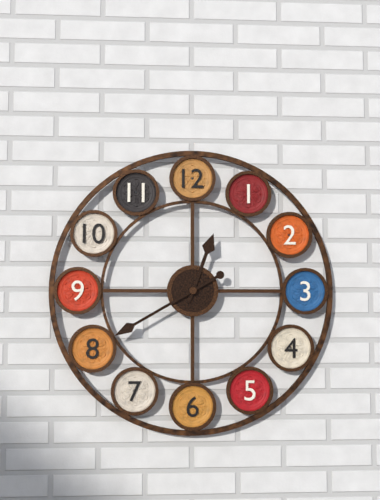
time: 12:40
